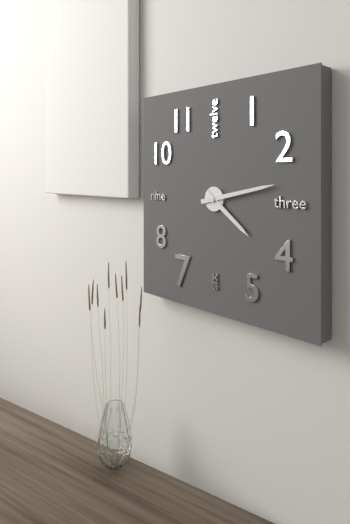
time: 4:13
